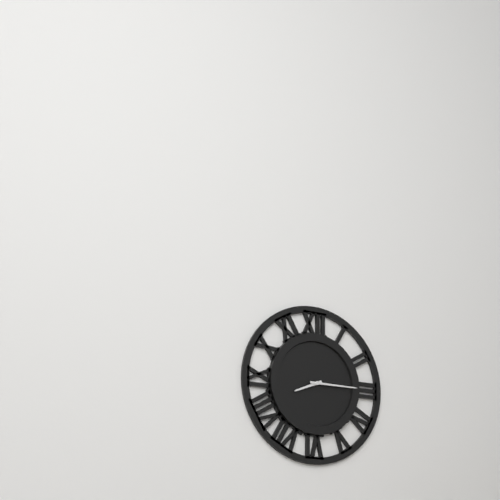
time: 8:15
